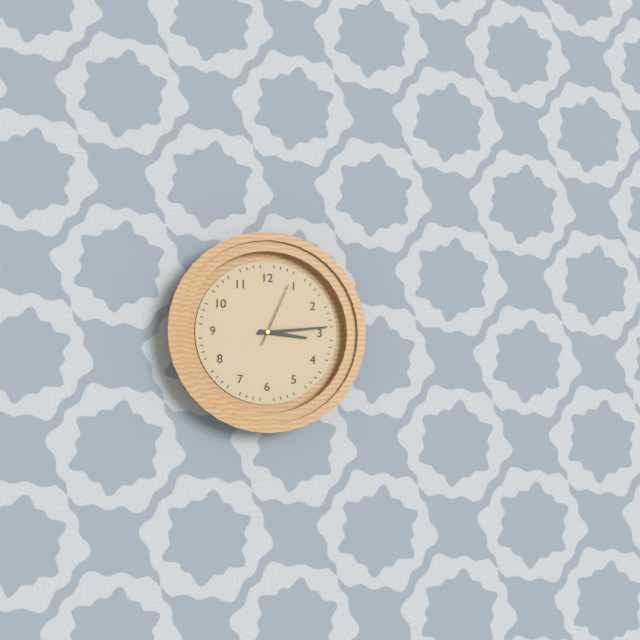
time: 3:14:04
